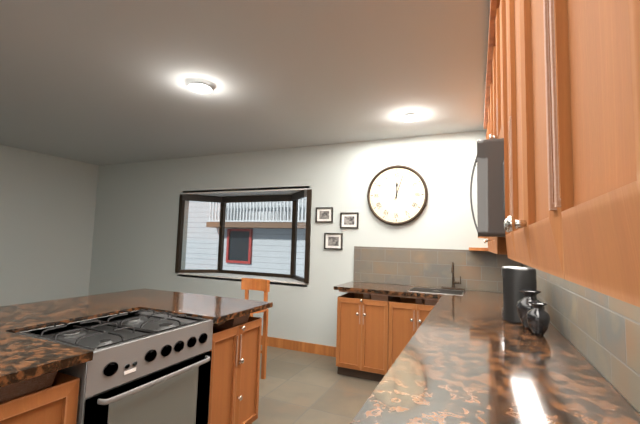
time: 12:03
